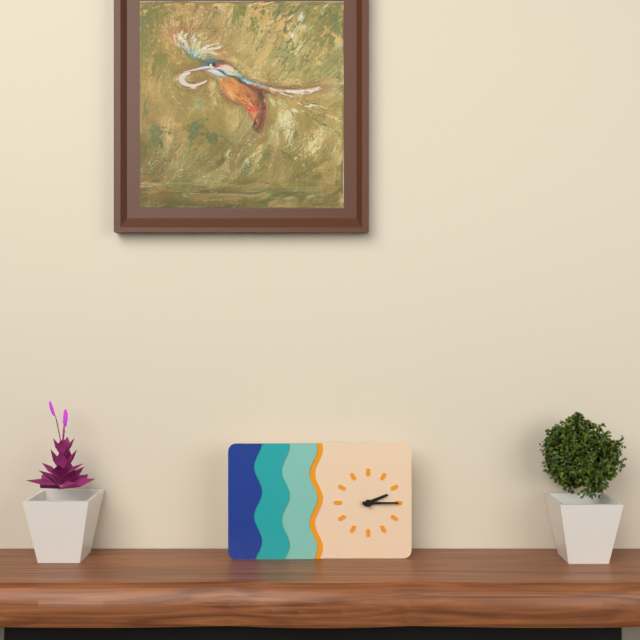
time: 2:15
